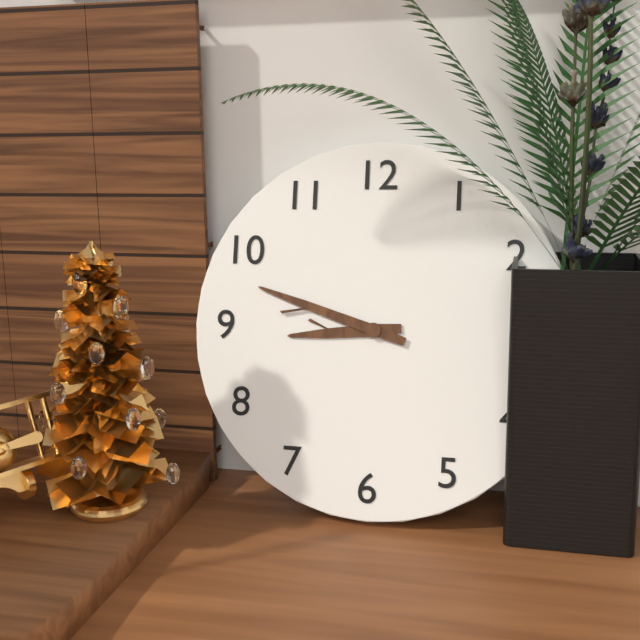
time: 8:48
